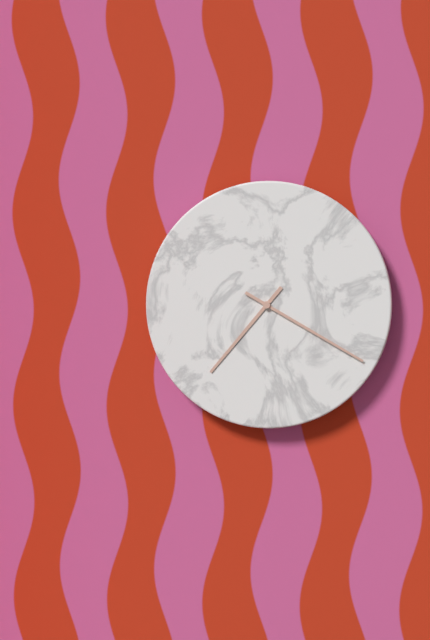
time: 7:20
